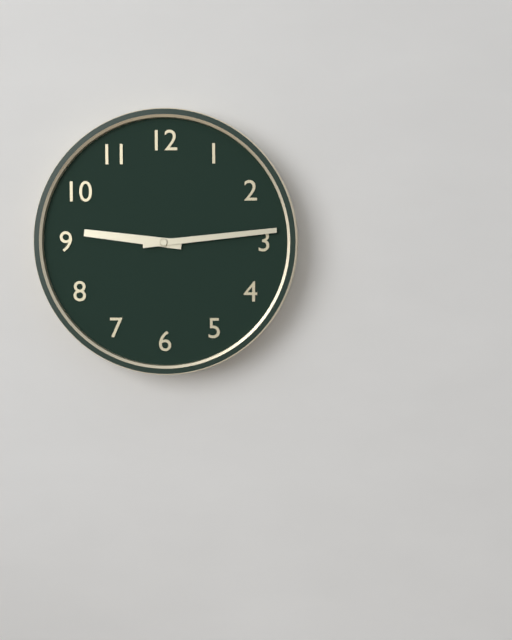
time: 9:14
